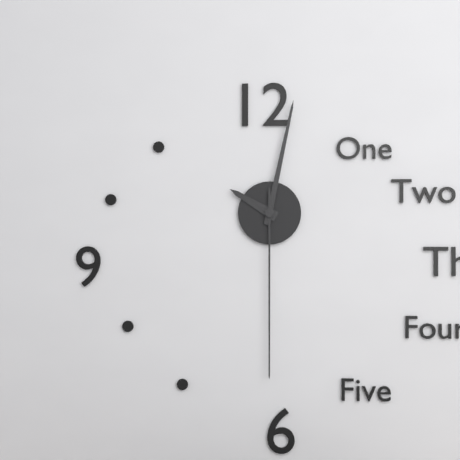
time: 10:02:30
